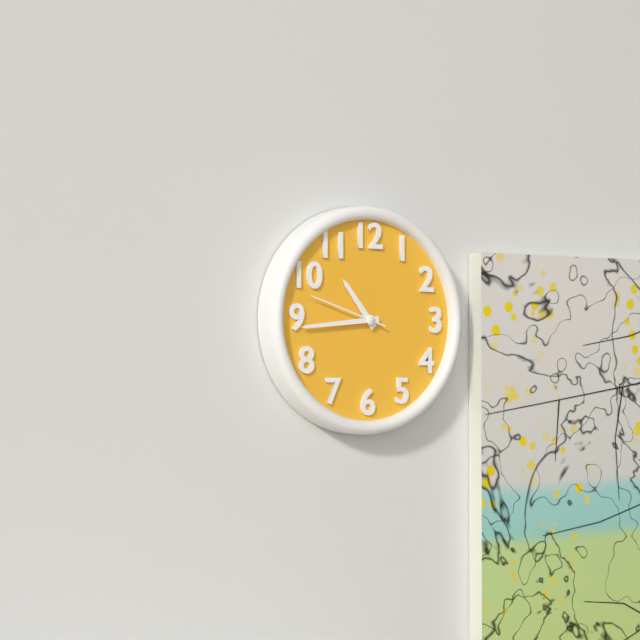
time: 10:44:48
